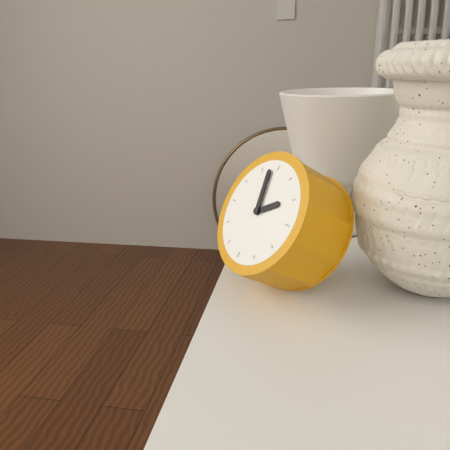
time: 1:58
